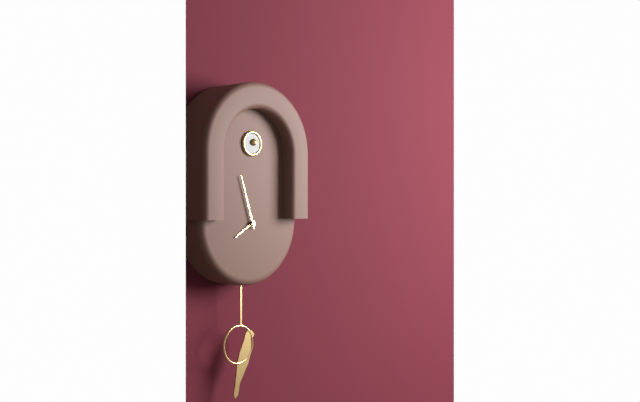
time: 7:57
